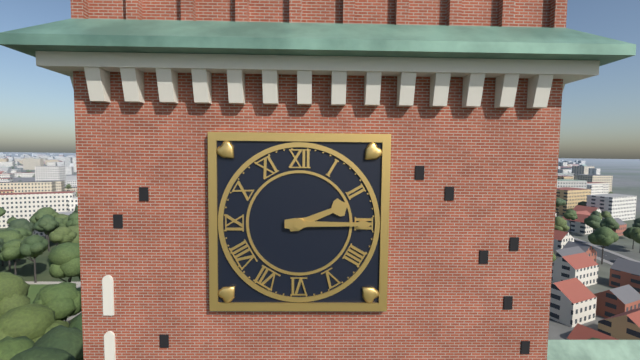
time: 2:15
